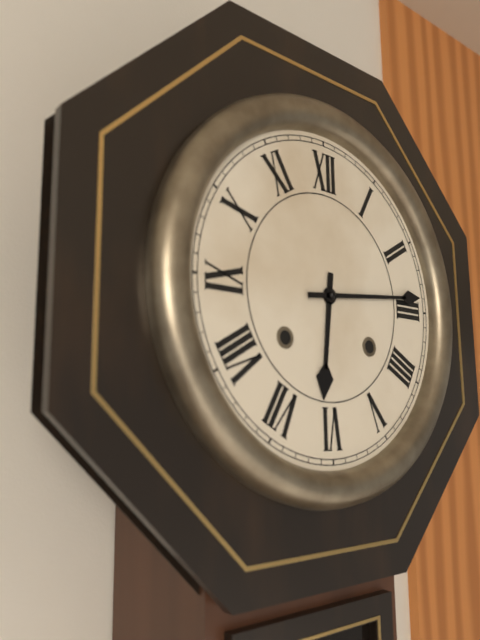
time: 6:14
